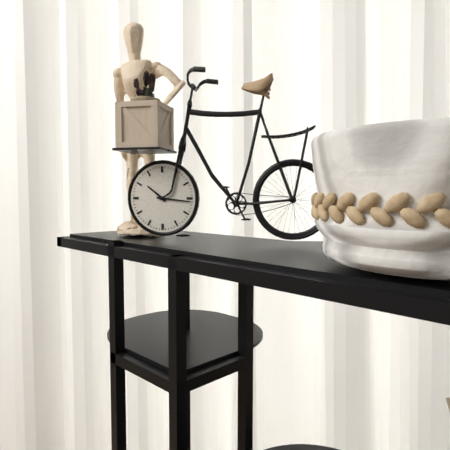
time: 10:16
